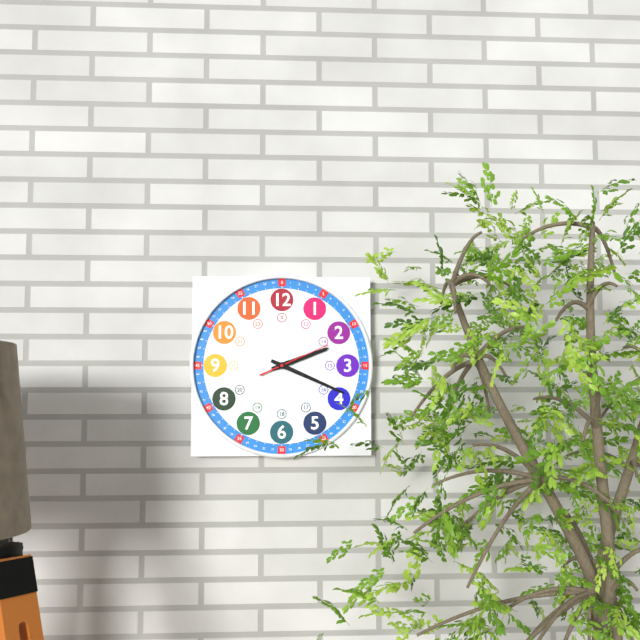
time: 2:19:11
